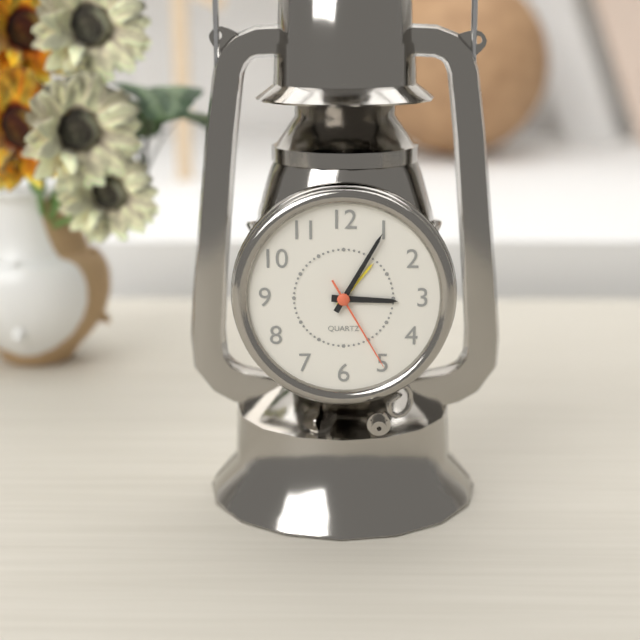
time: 3:05:25
